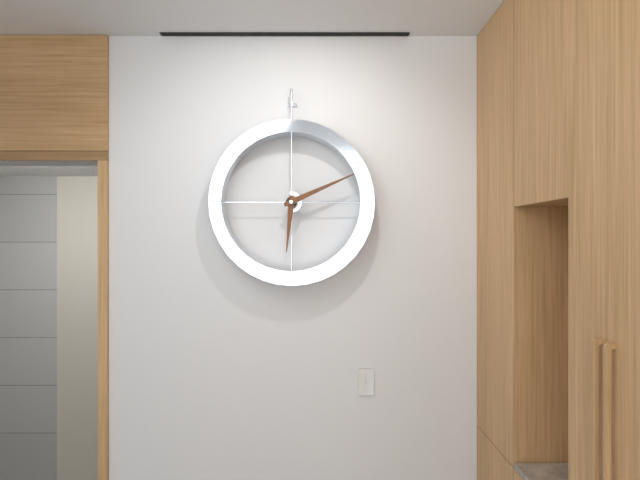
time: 6:11
